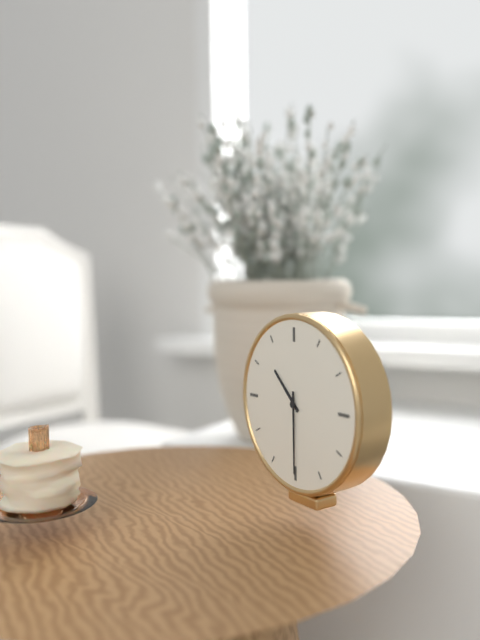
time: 10:30
